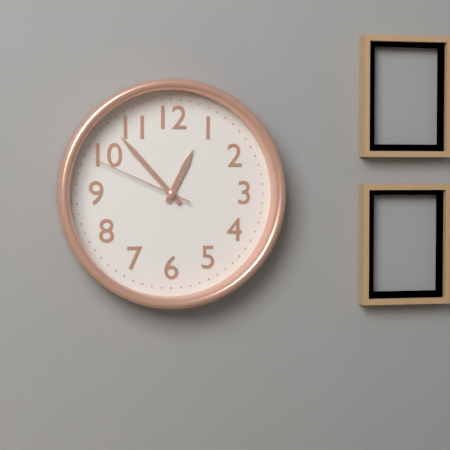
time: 12:53:49
